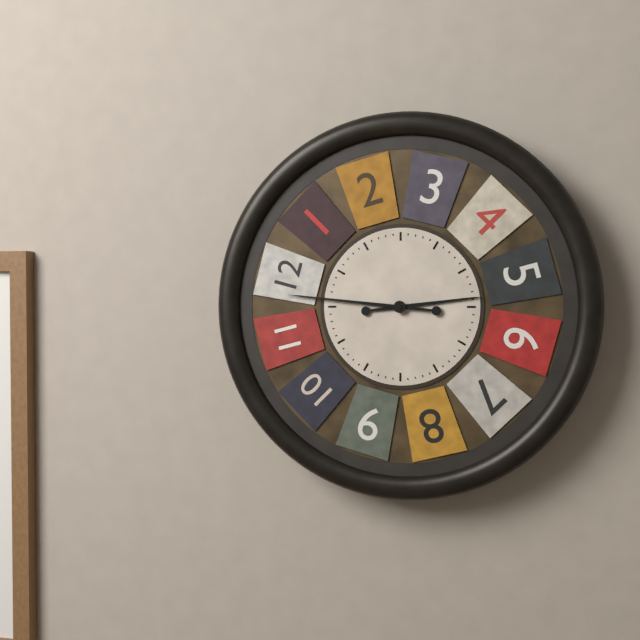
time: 2:46
